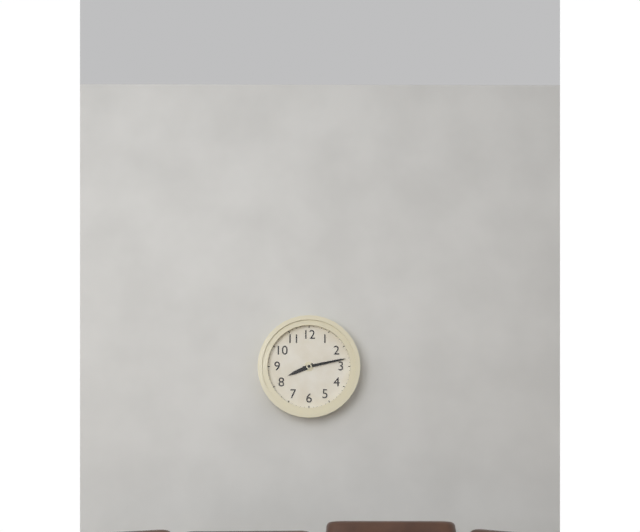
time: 8:13
